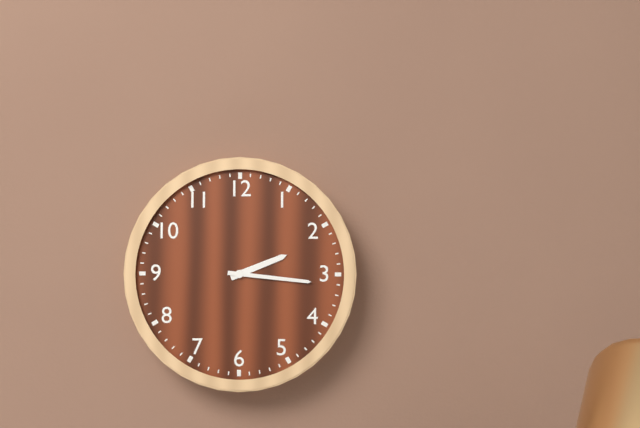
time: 2:16
